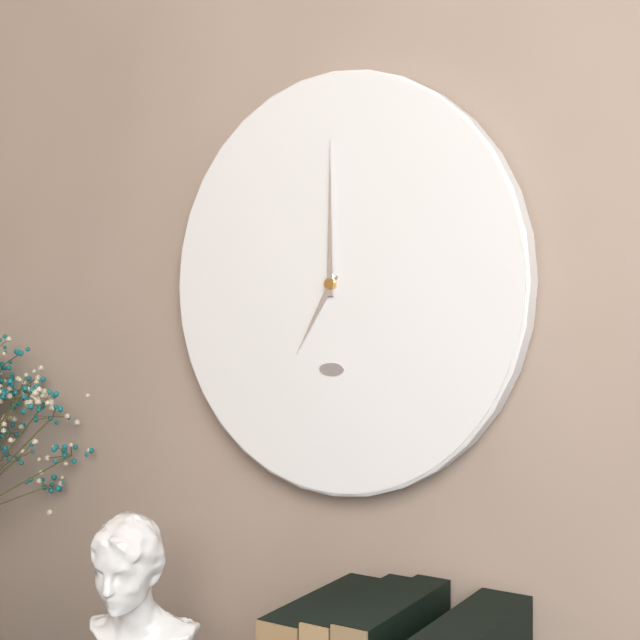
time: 7:00
